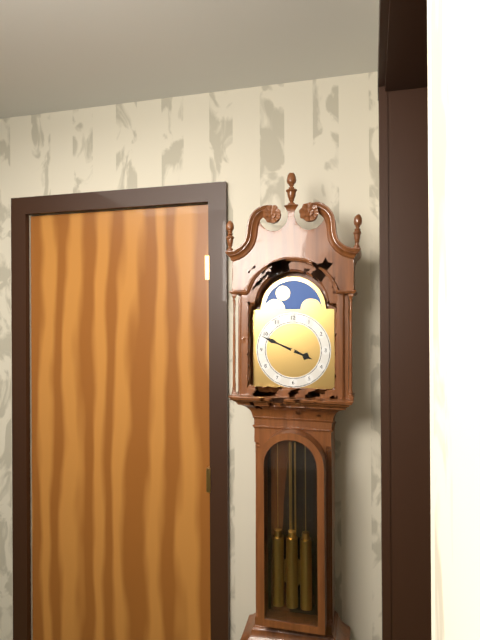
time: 3:49
